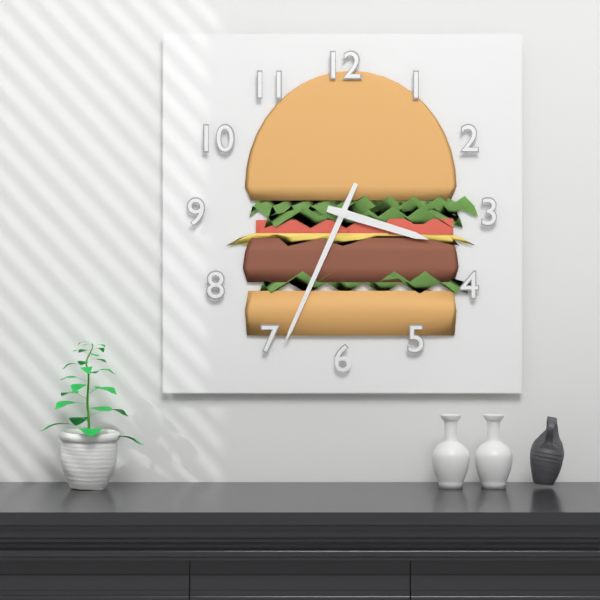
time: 3:34
